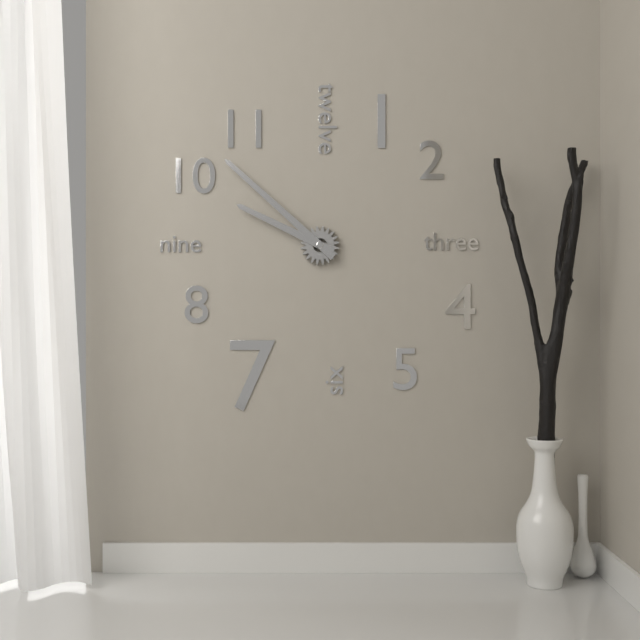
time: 9:52
